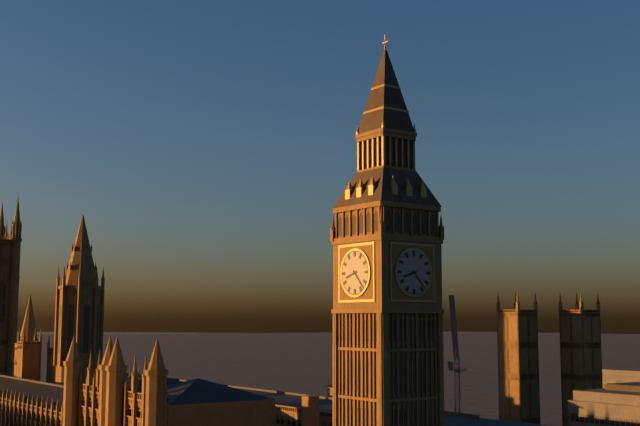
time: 8:23
